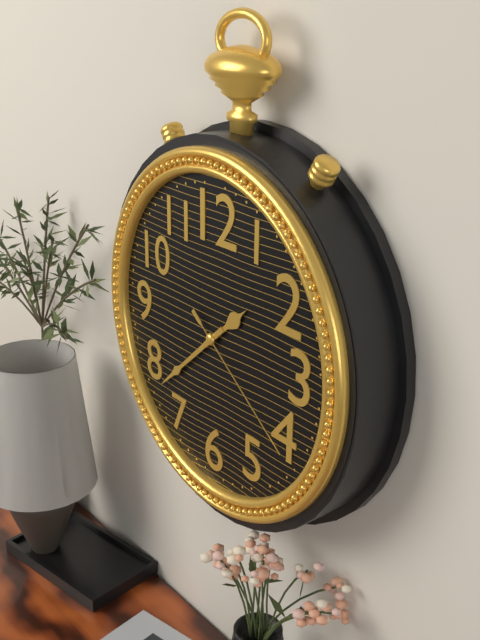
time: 1:38:21
